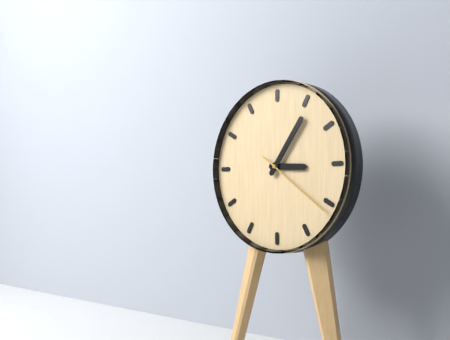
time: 3:06:21
